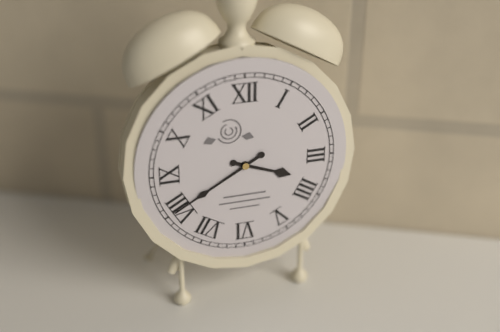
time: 3:40
